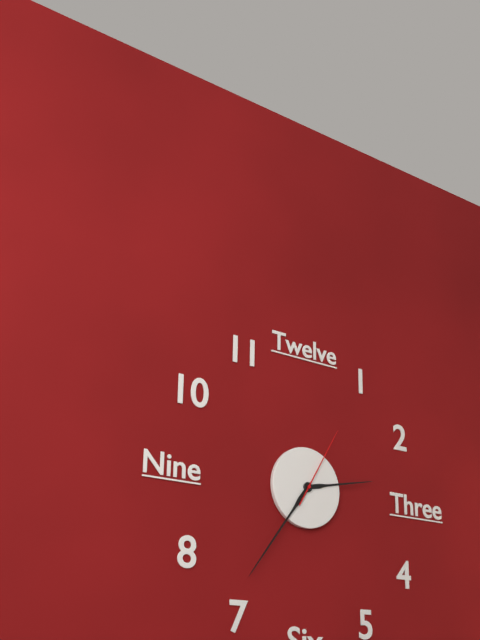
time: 2:36:05
